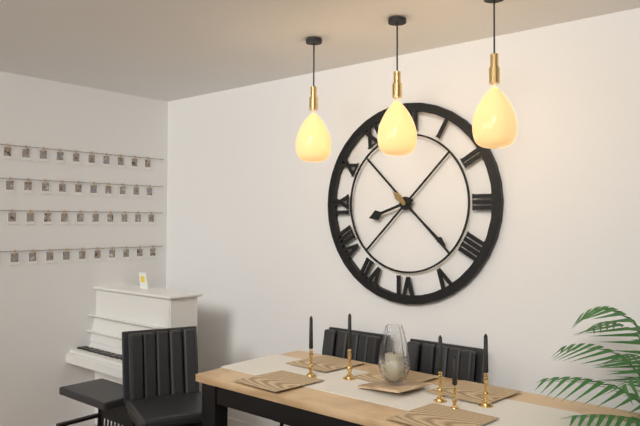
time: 8:22
